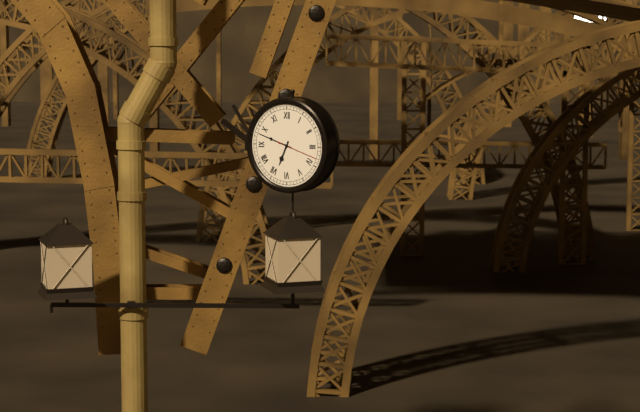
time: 6:48
